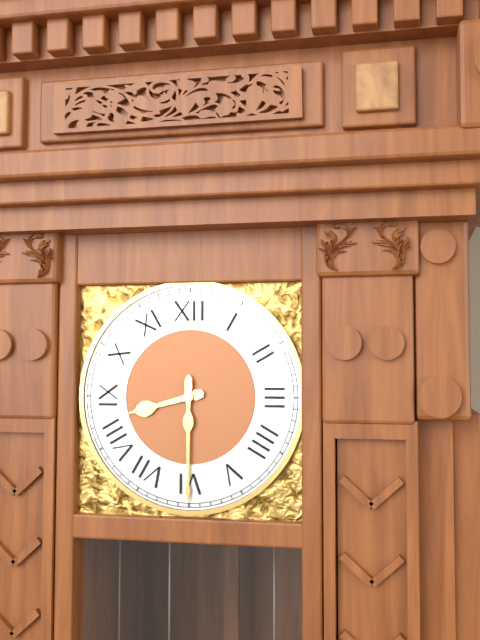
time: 8:30
